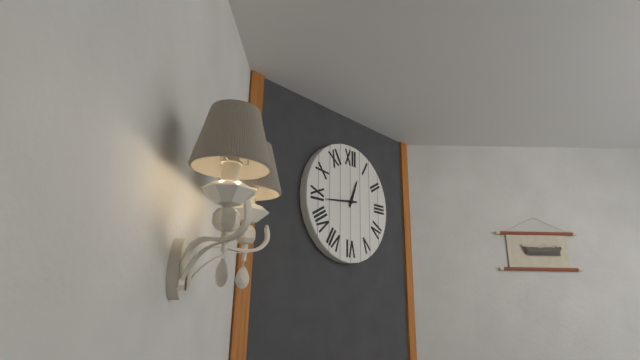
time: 12:44
